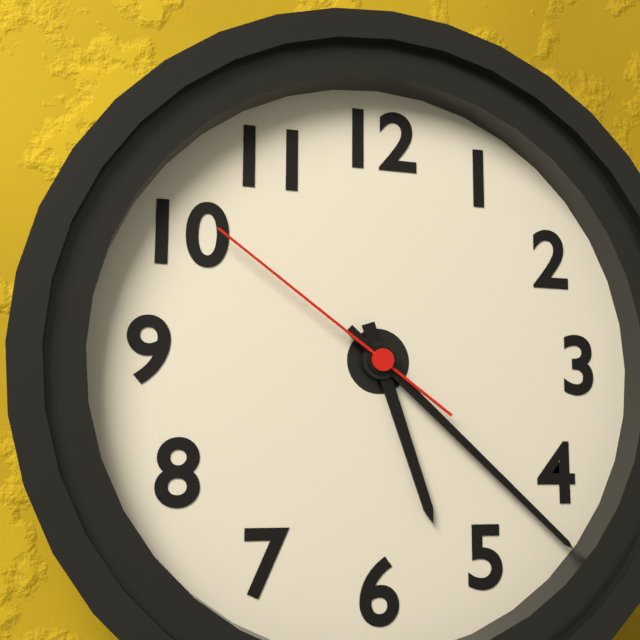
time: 5:22:51
